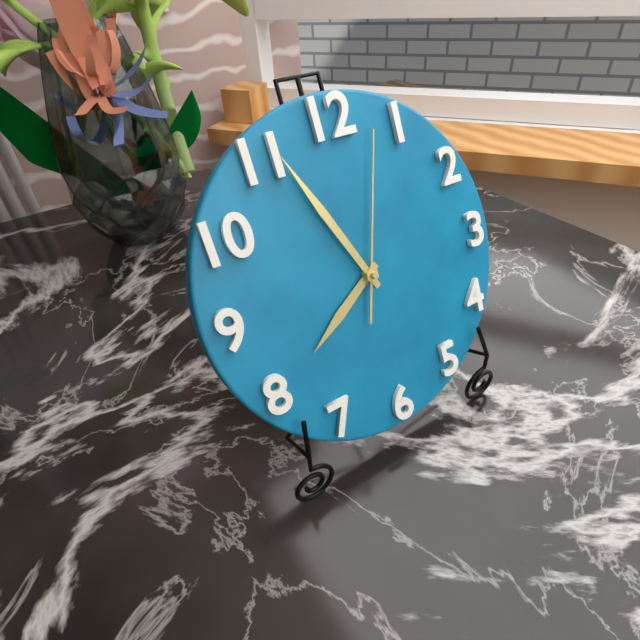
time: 7:56:03
